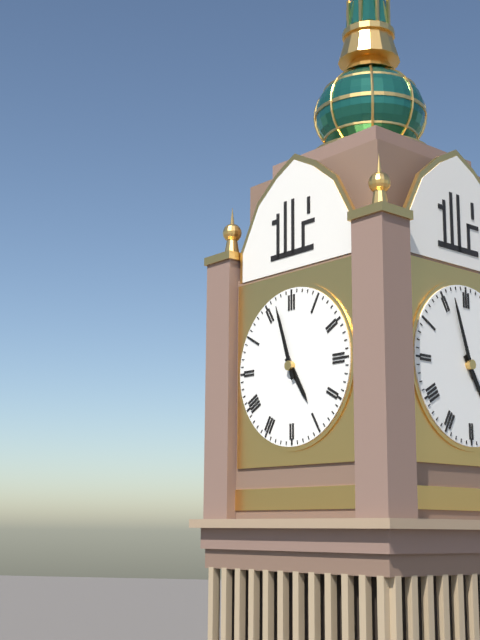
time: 4:57
